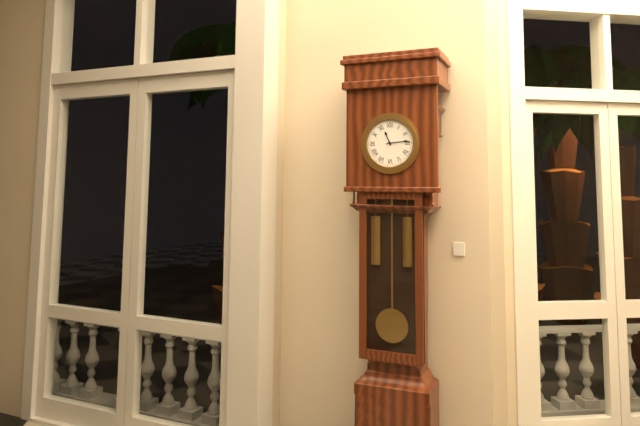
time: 11:14
